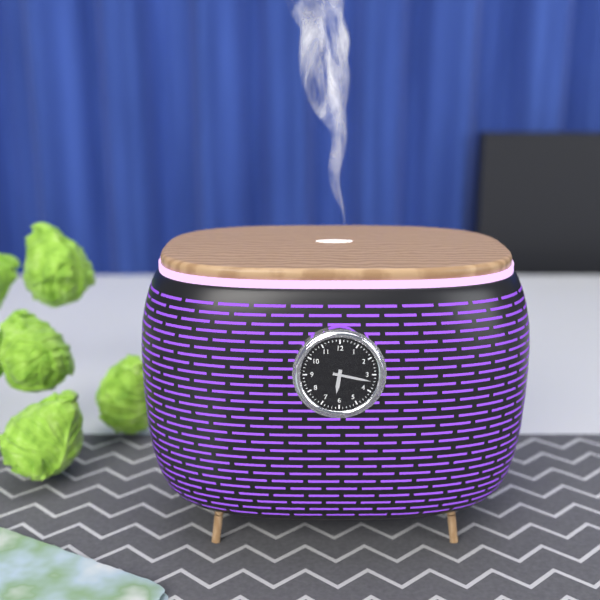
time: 6:17
